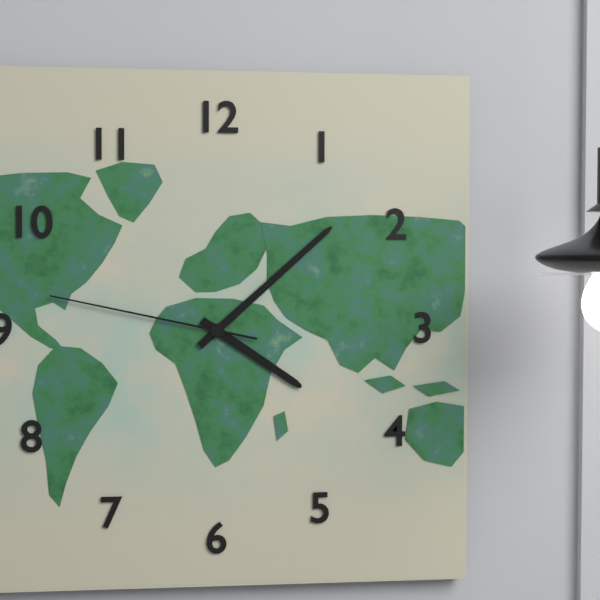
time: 4:08:47
